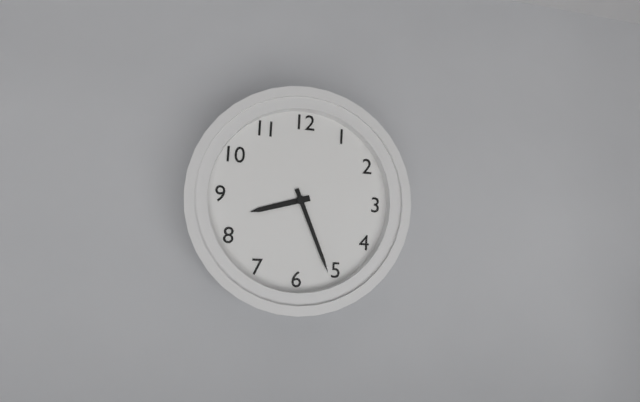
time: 8:26
